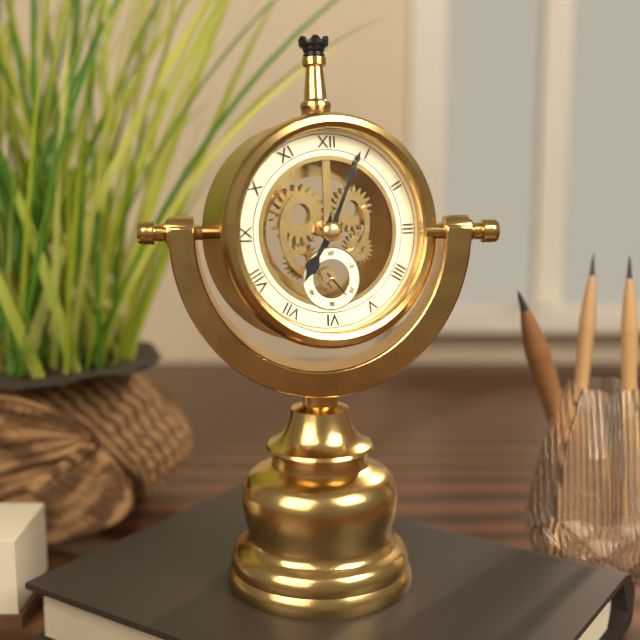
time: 7:04
